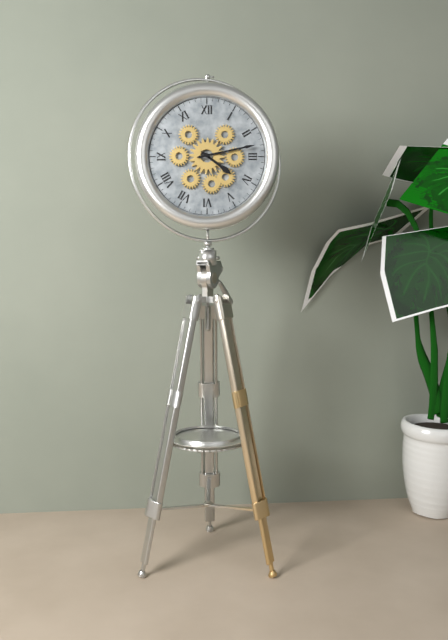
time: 4:13
